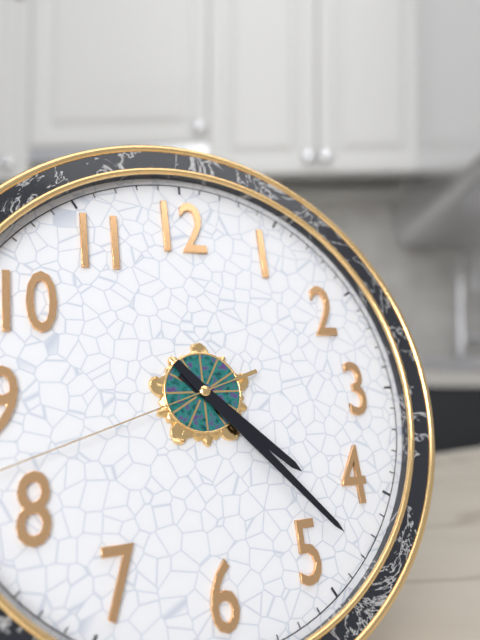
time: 4:23
